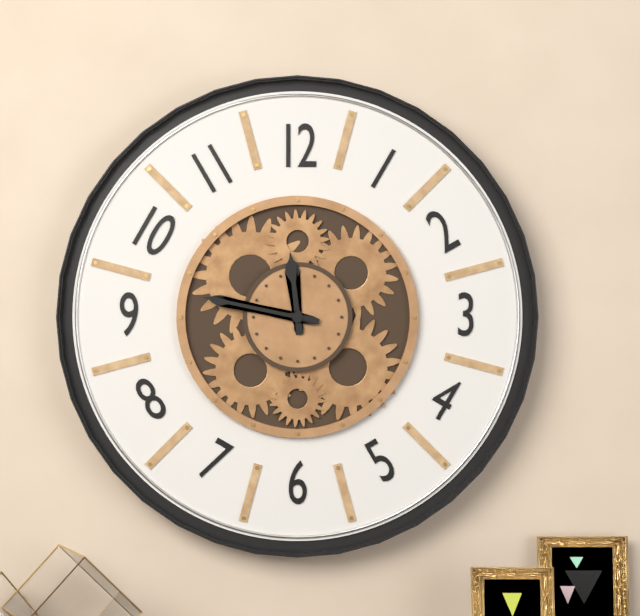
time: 11:47
